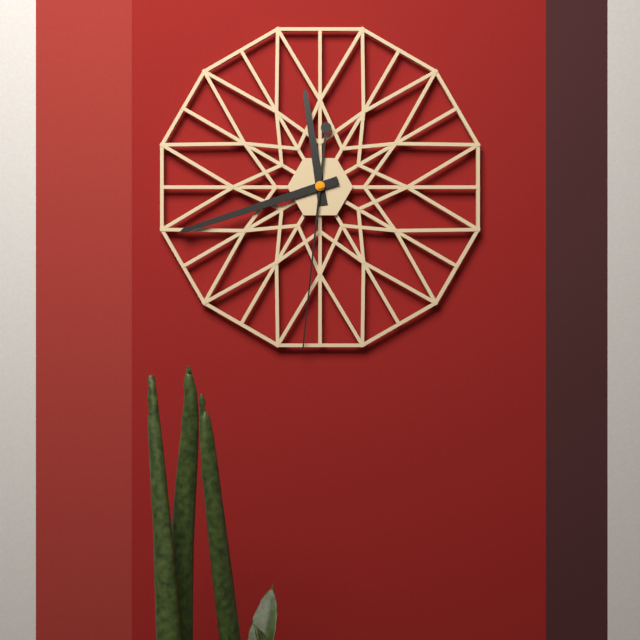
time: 11:42:31
